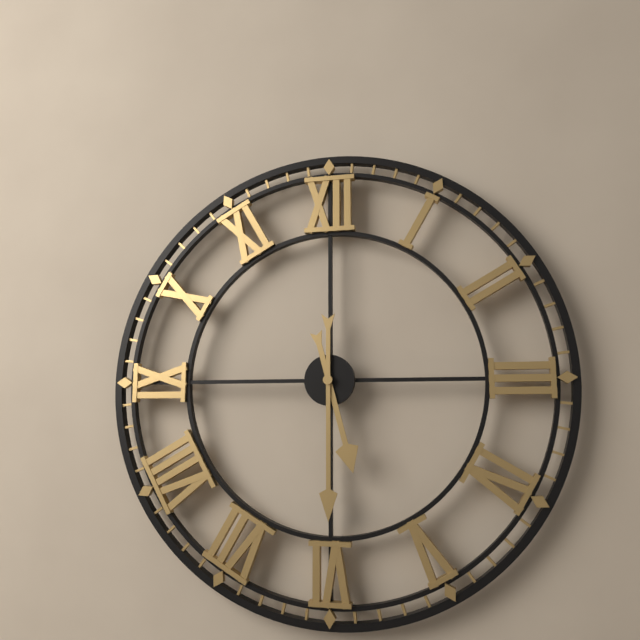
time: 5:30
